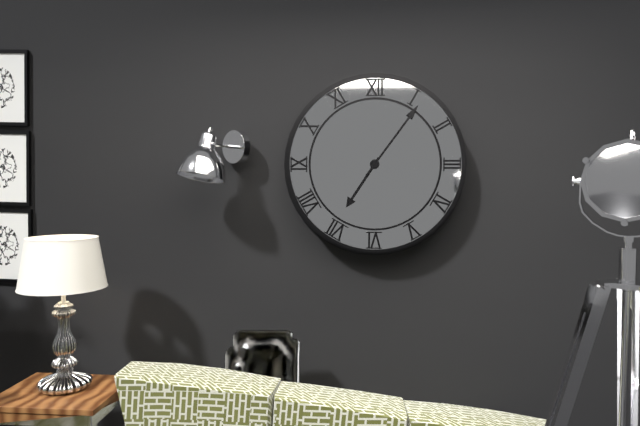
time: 7:06
